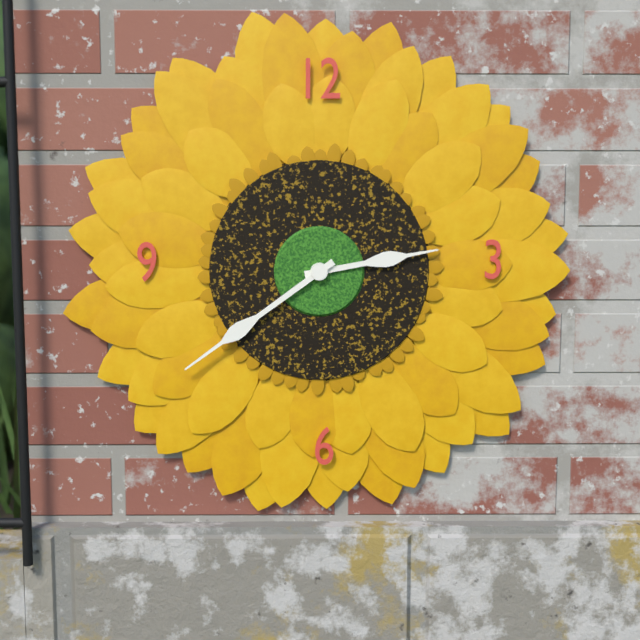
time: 2:39
